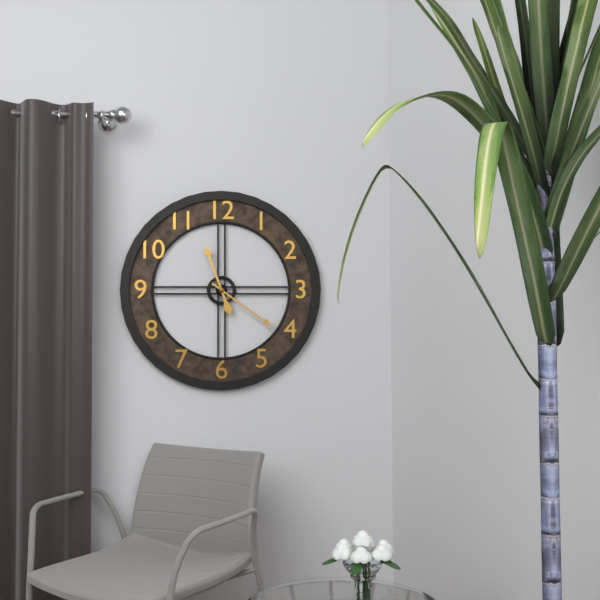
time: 11:21
